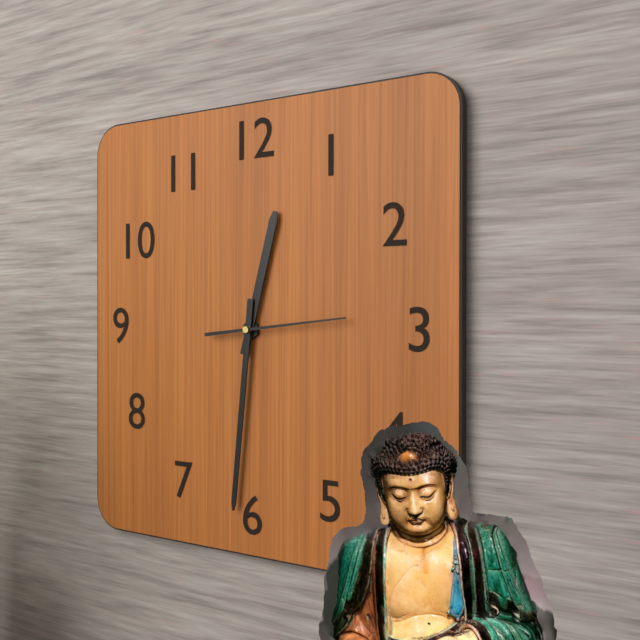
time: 12:31:14
